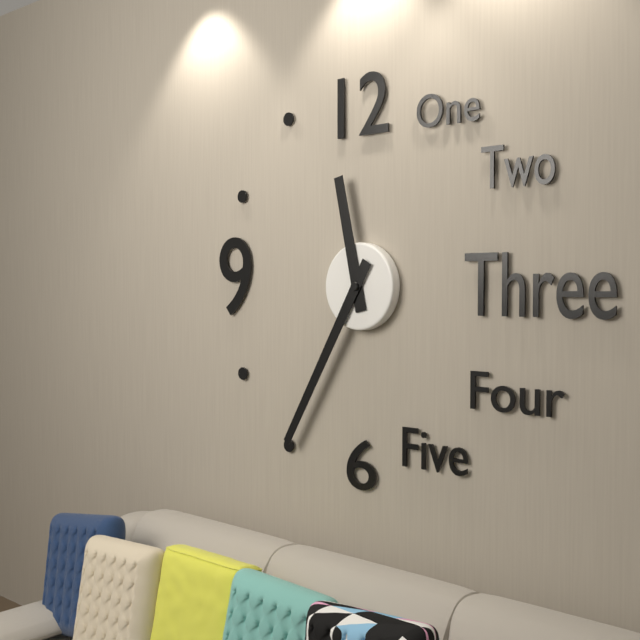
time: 11:35
